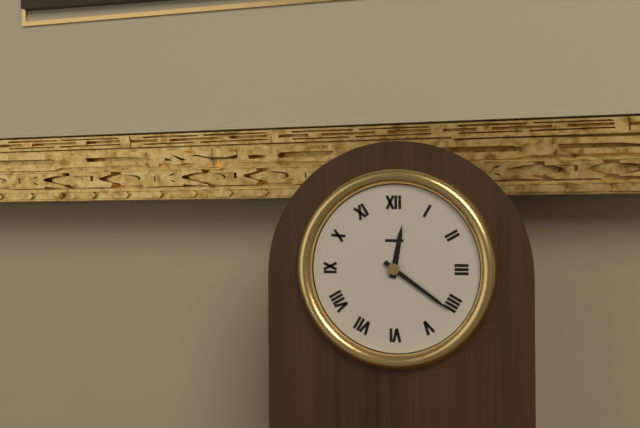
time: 12:21
